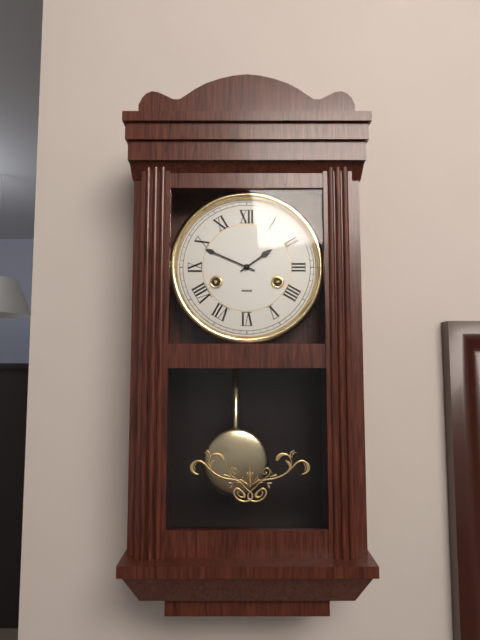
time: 1:49
